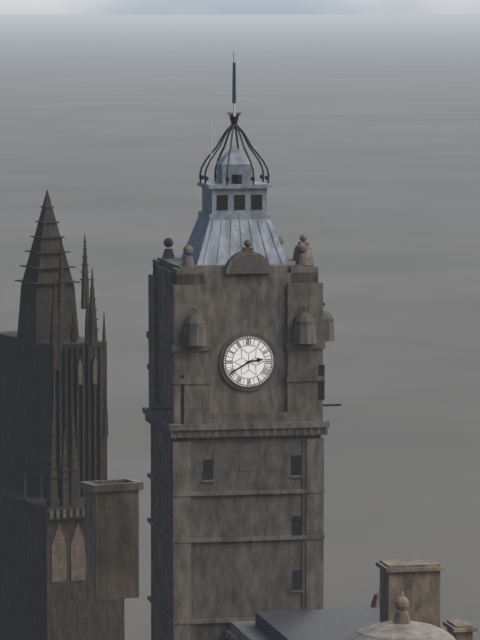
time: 2:40
